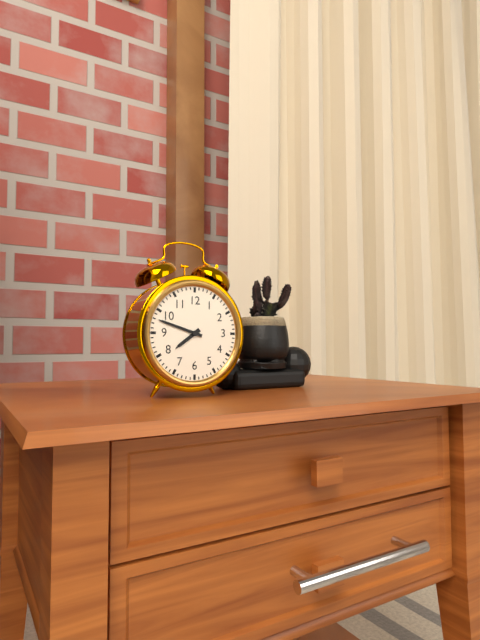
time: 7:48
